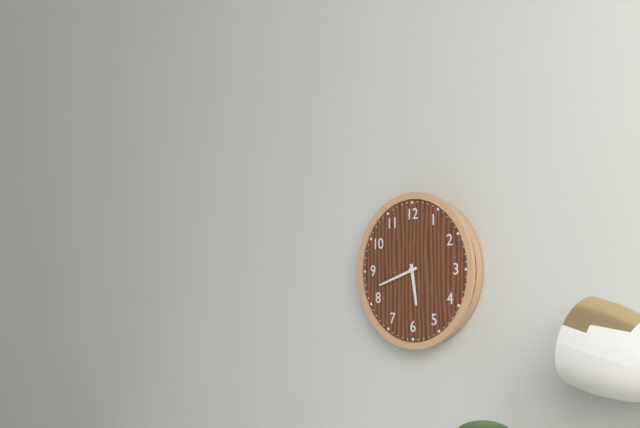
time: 5:42
